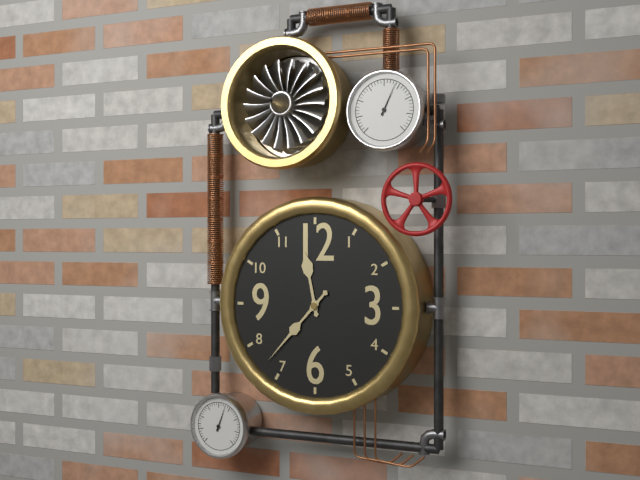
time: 11:37
